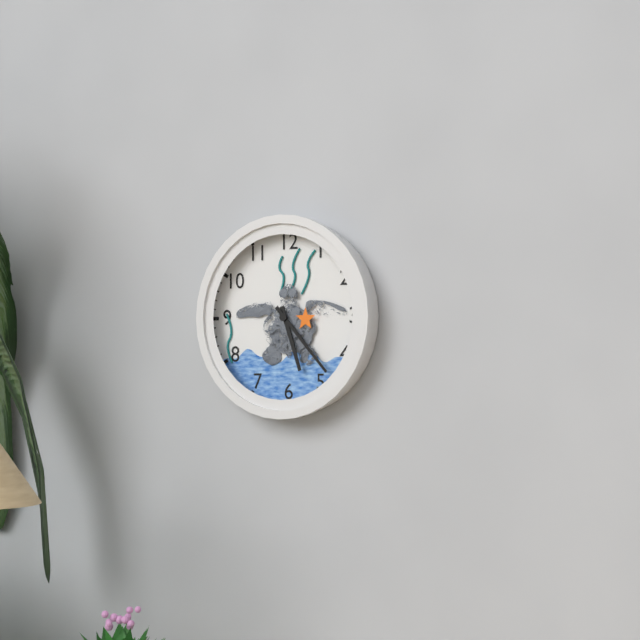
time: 5:23
